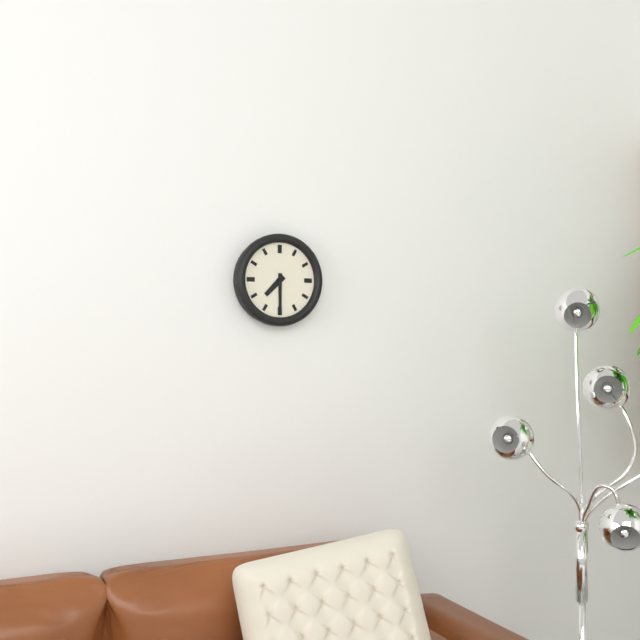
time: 7:30
